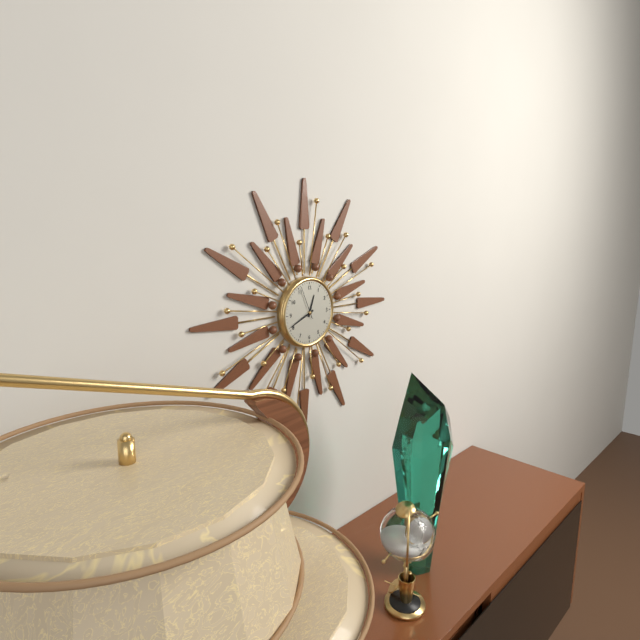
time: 12:41
